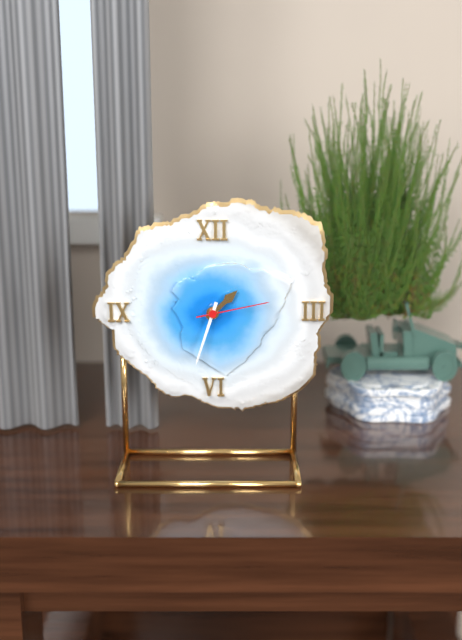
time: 1:33:13
